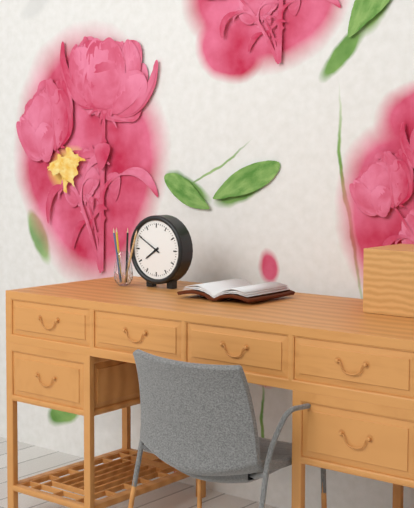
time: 7:50
